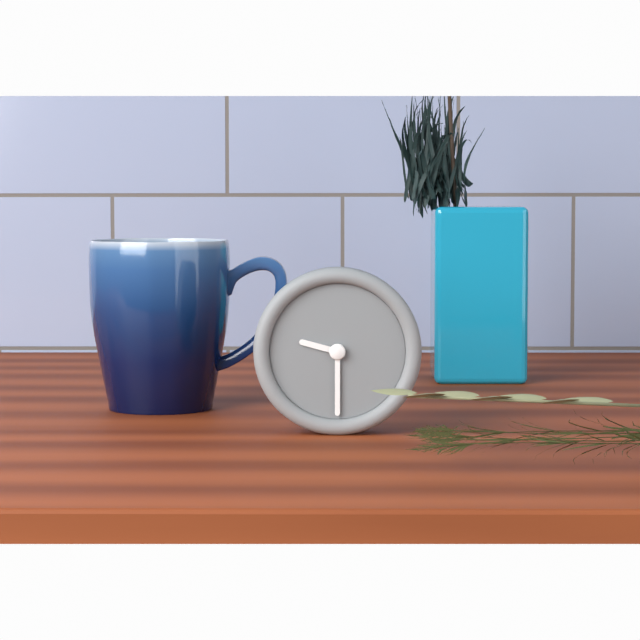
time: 9:30
